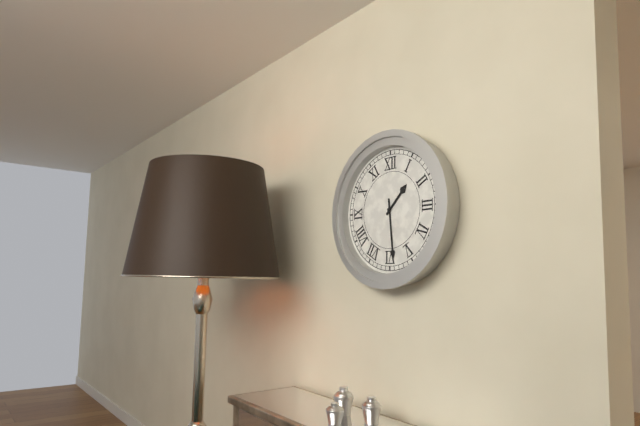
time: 1:29
